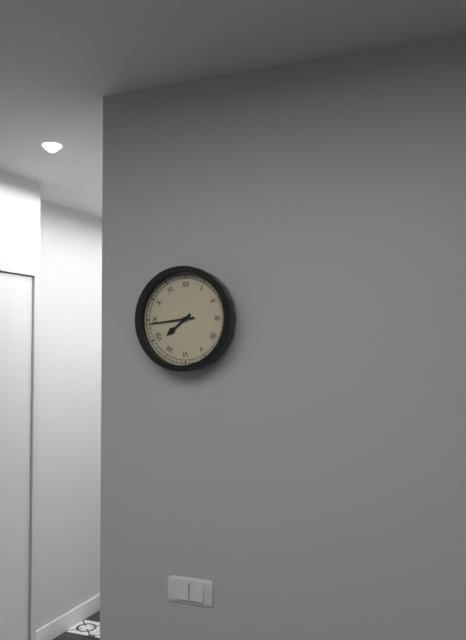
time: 7:44
